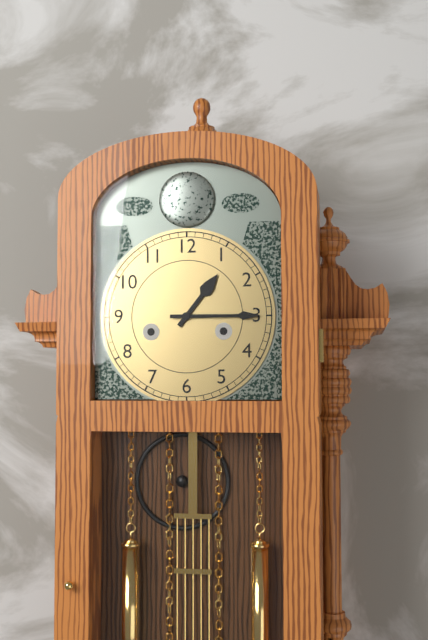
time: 1:15
